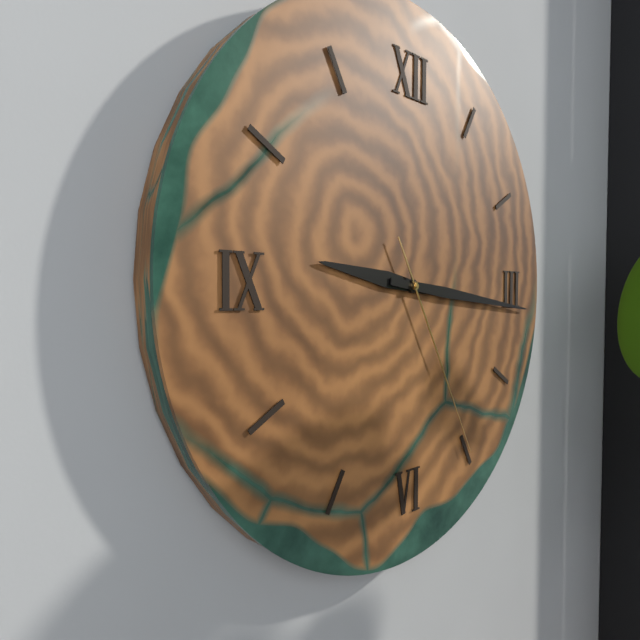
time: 9:16:25
